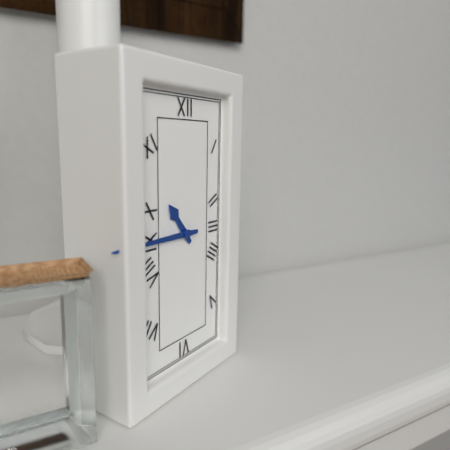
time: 10:45
